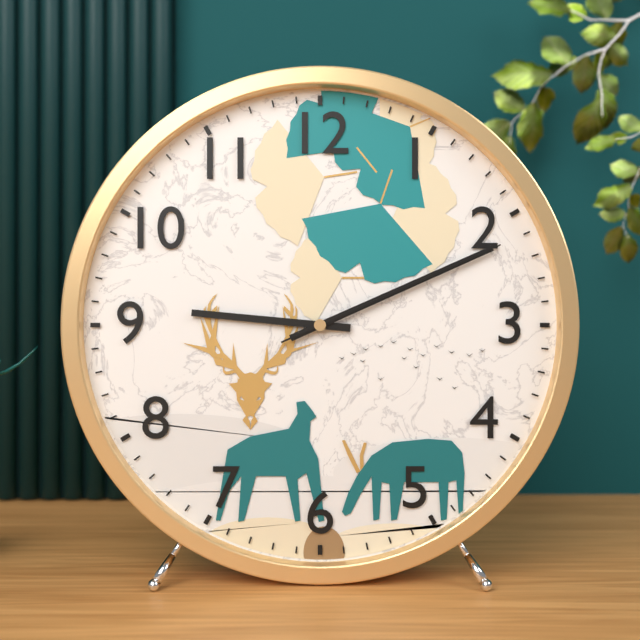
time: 9:11:11
